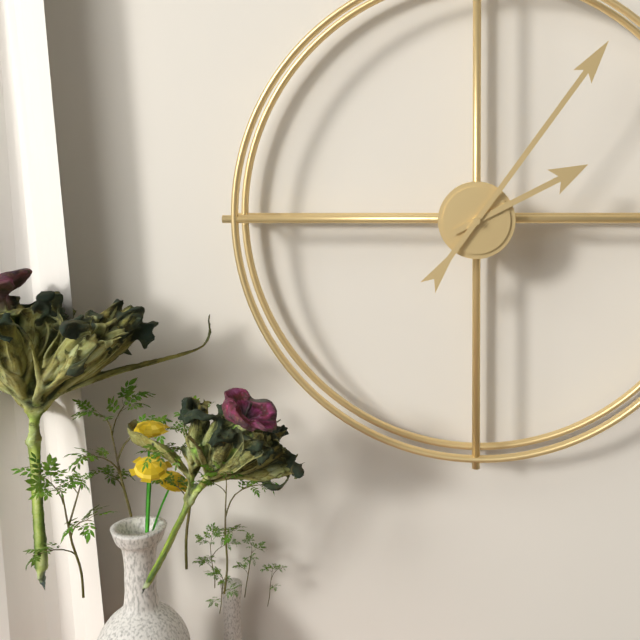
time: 2:06
